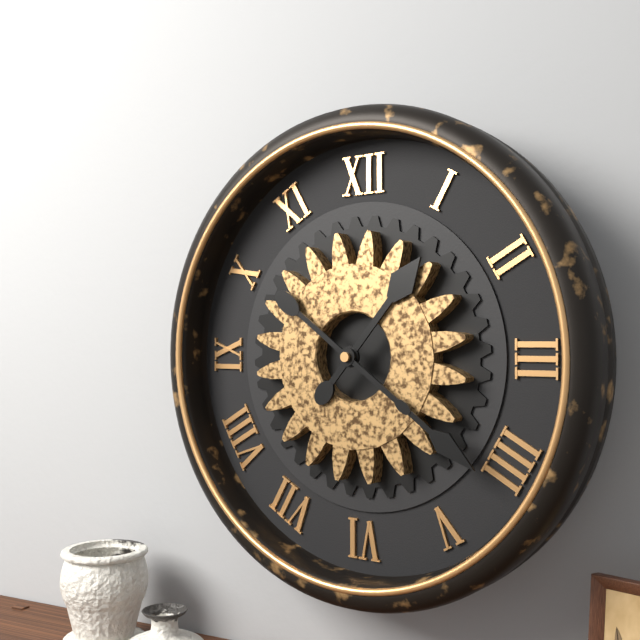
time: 1:21
